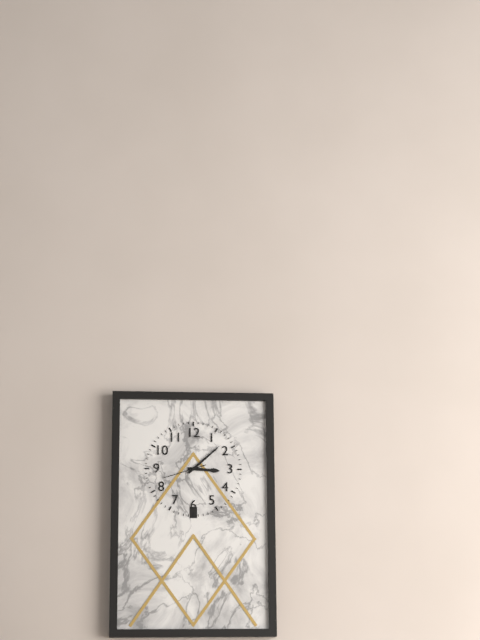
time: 3:08
